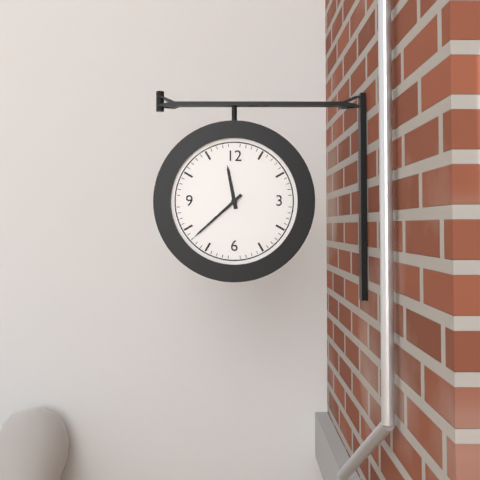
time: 11:38
